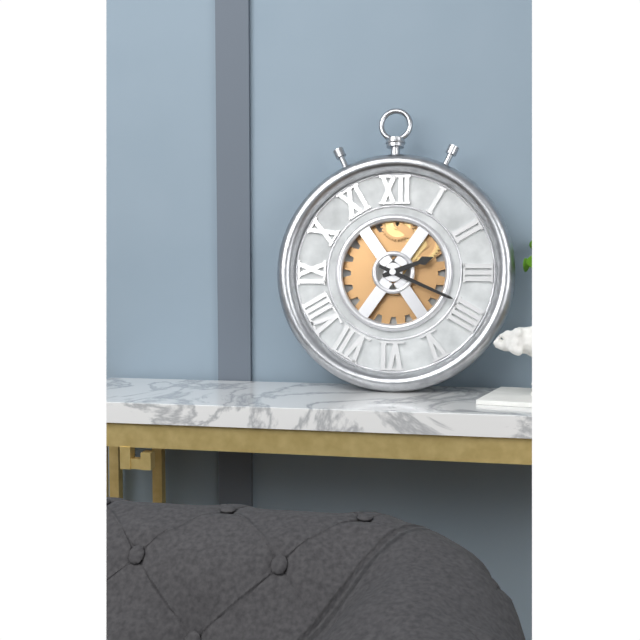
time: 2:19
